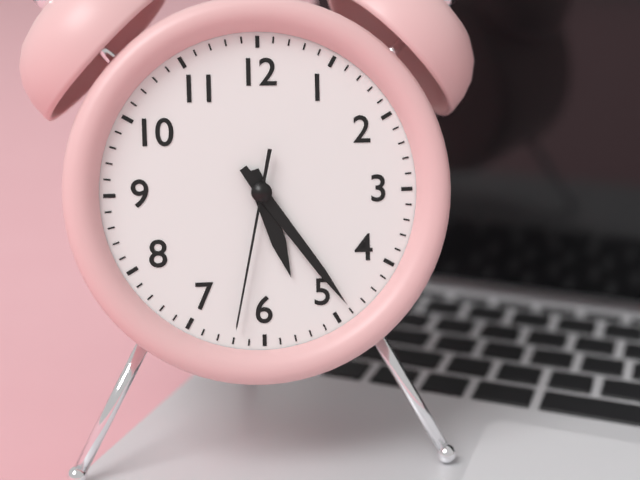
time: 5:24:32
